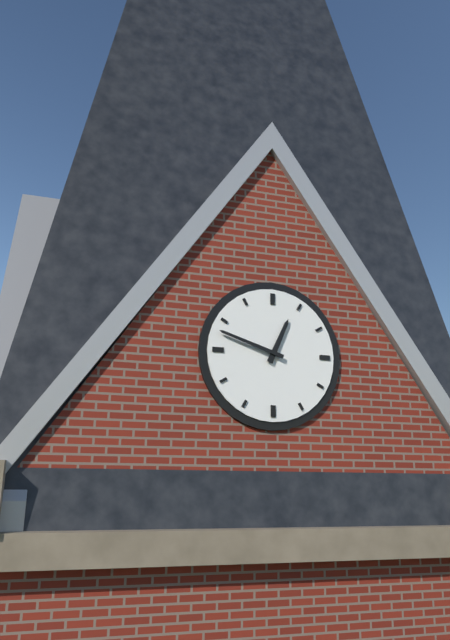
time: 12:48
